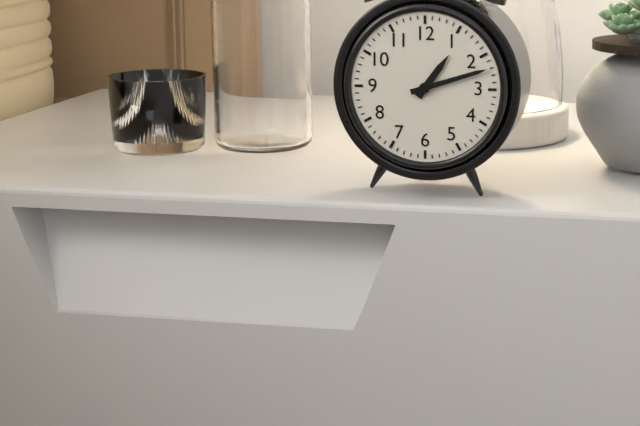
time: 1:12
